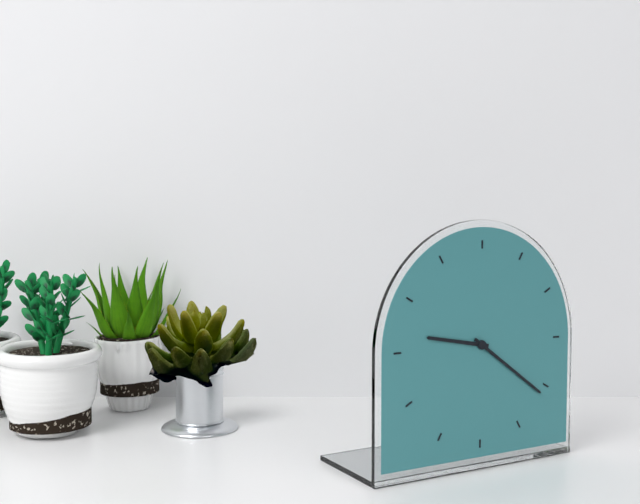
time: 9:21
